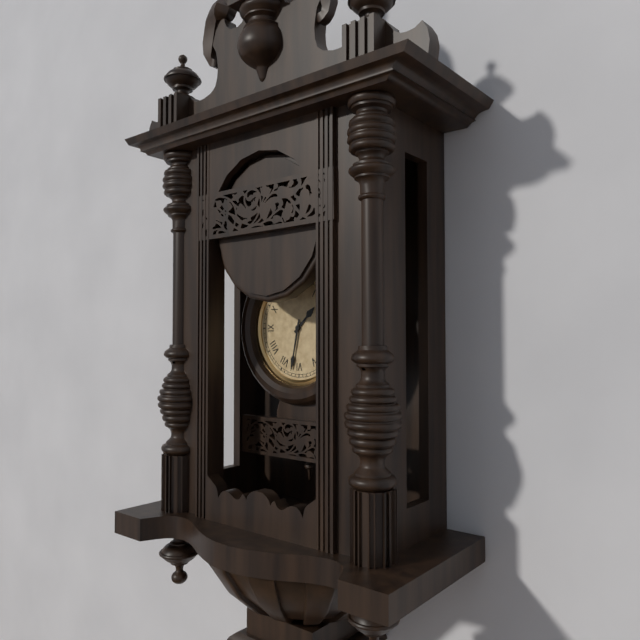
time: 1:32
